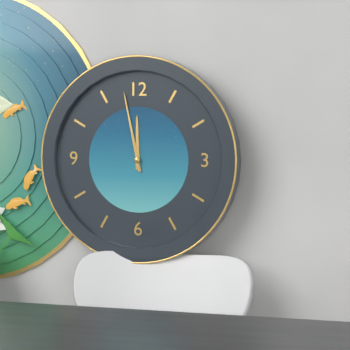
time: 11:58
